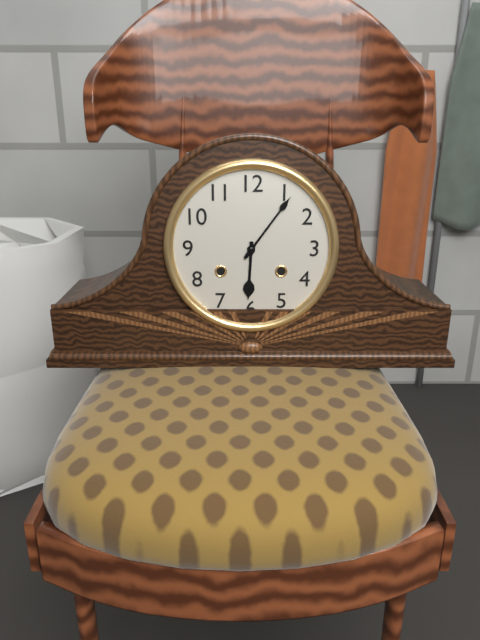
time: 6:06
